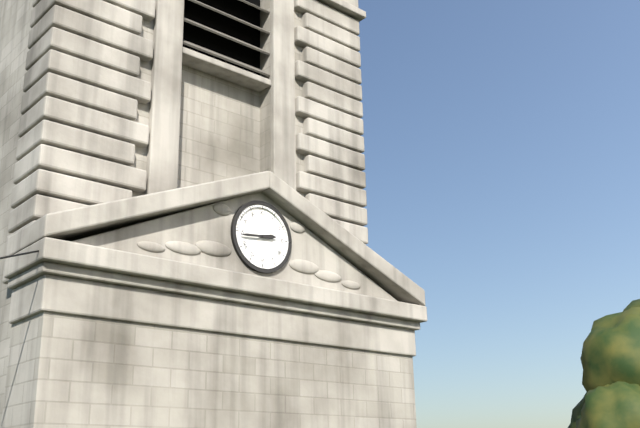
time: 2:44
